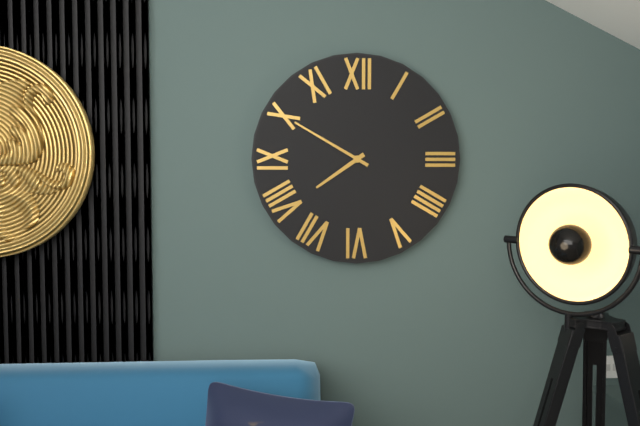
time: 7:50
